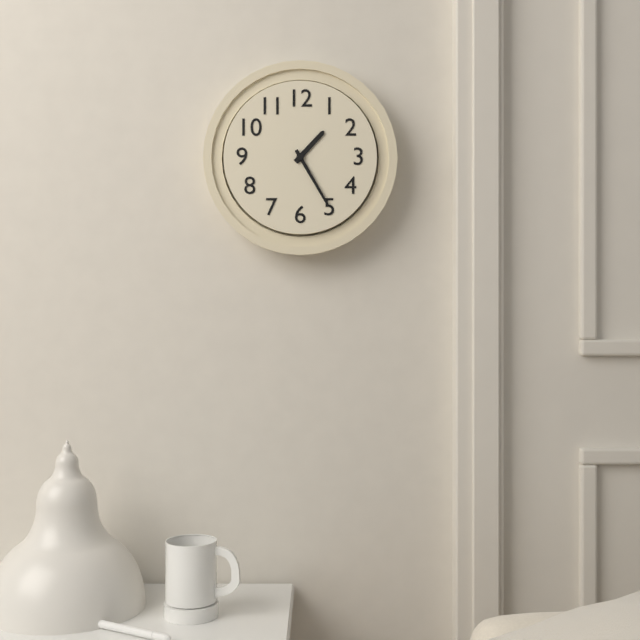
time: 1:25
